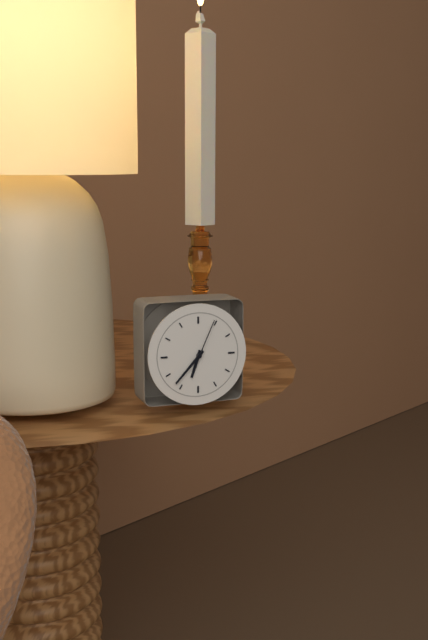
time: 6:37
